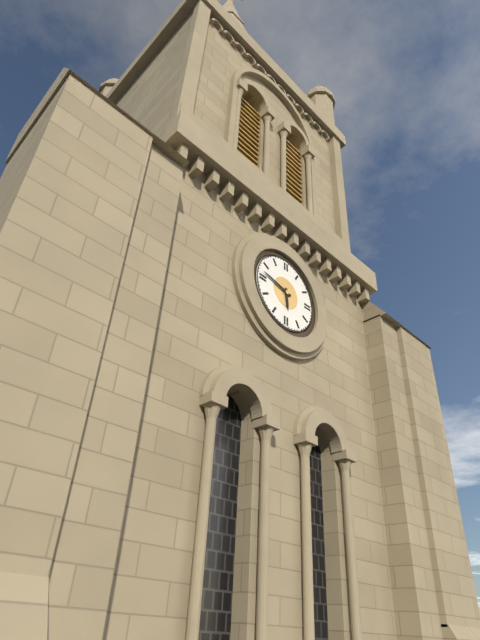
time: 5:47
